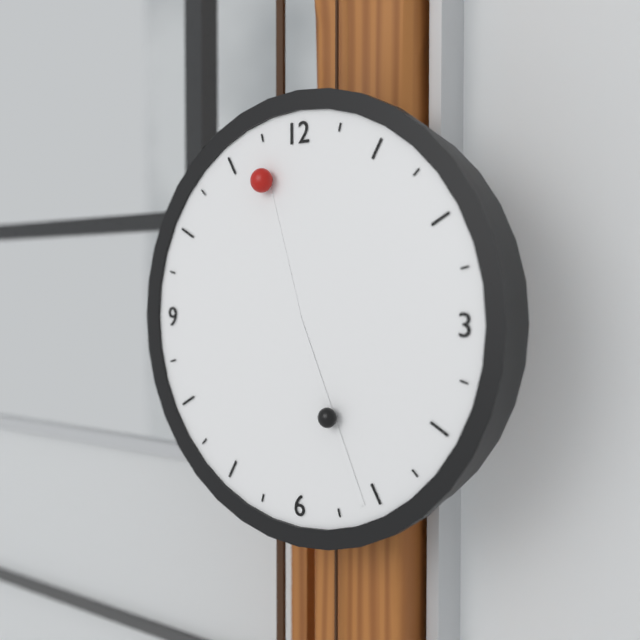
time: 11:26
